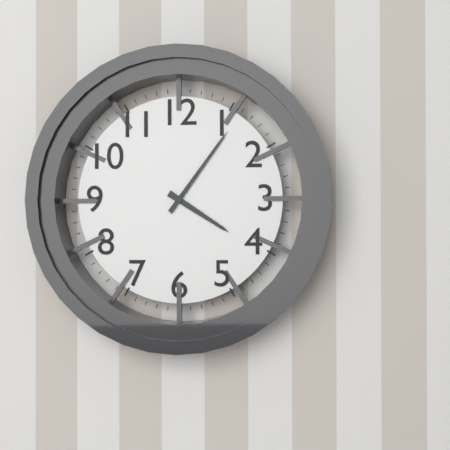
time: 4:06
